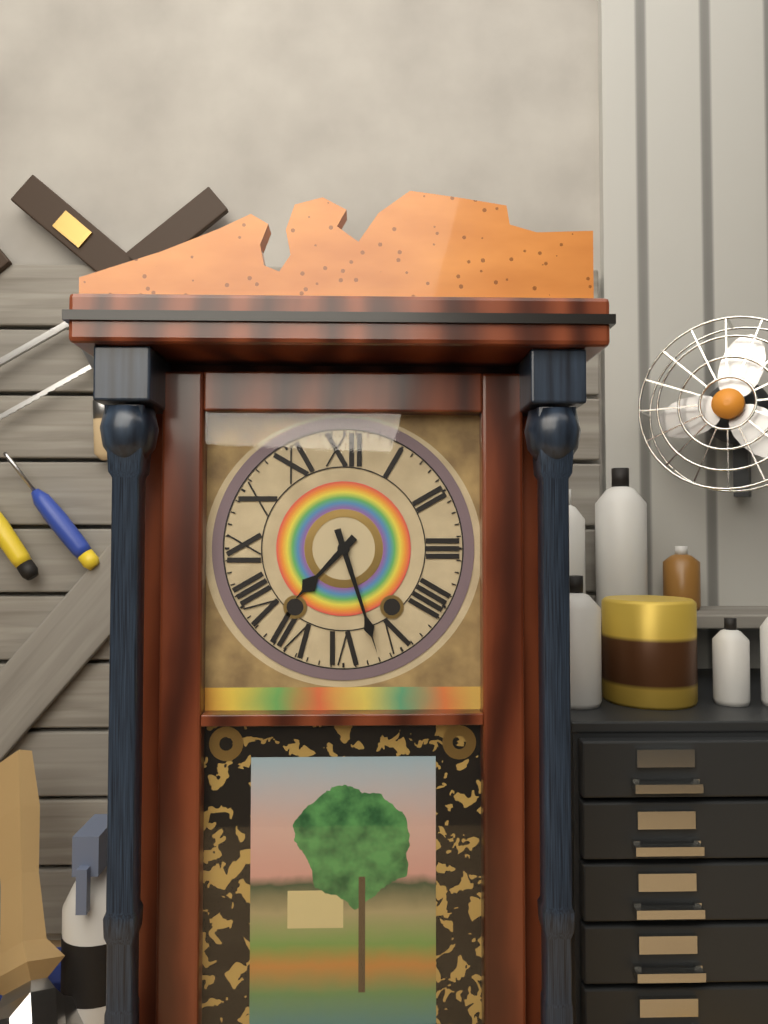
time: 7:27
